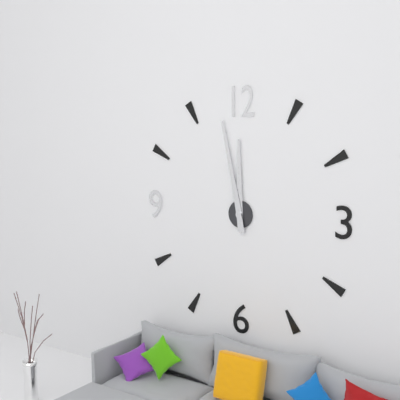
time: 11:58
